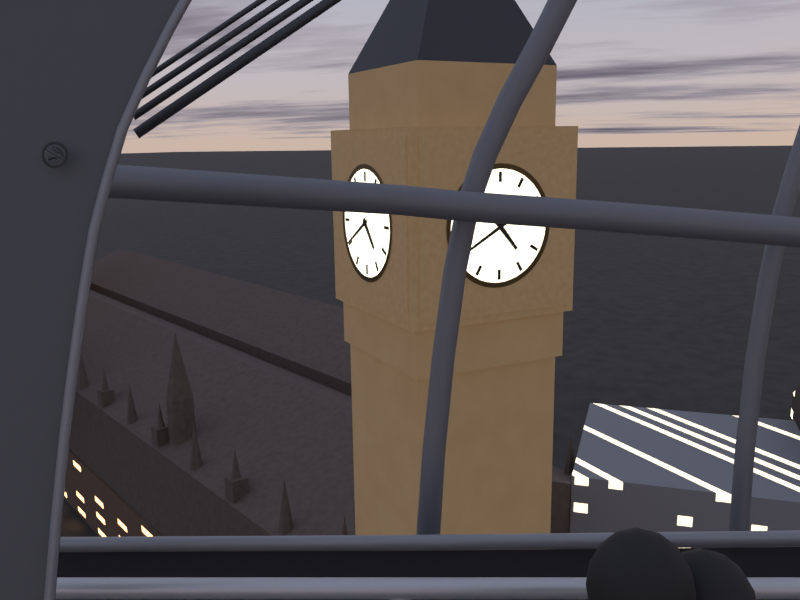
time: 4:40
